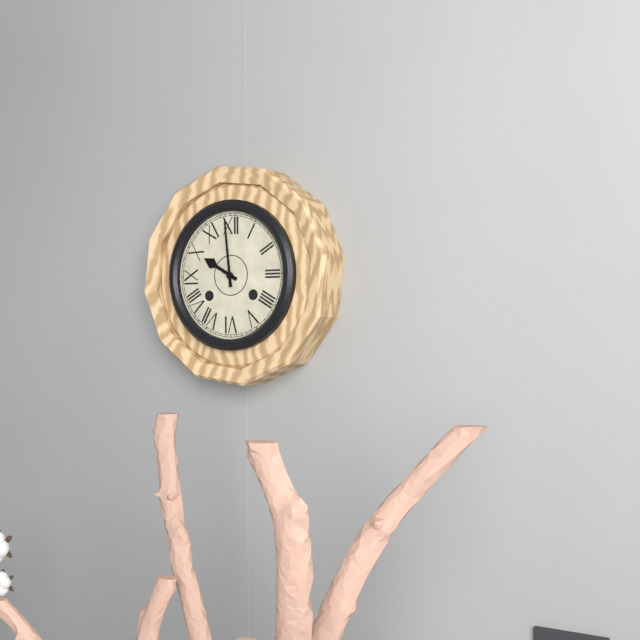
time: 9:59
